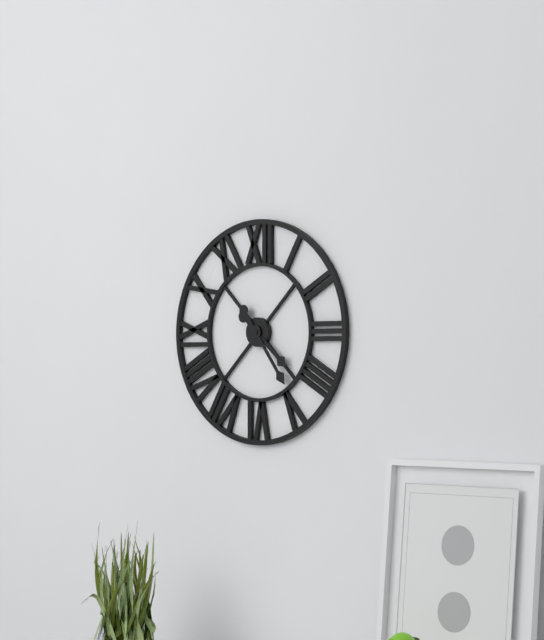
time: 4:24
